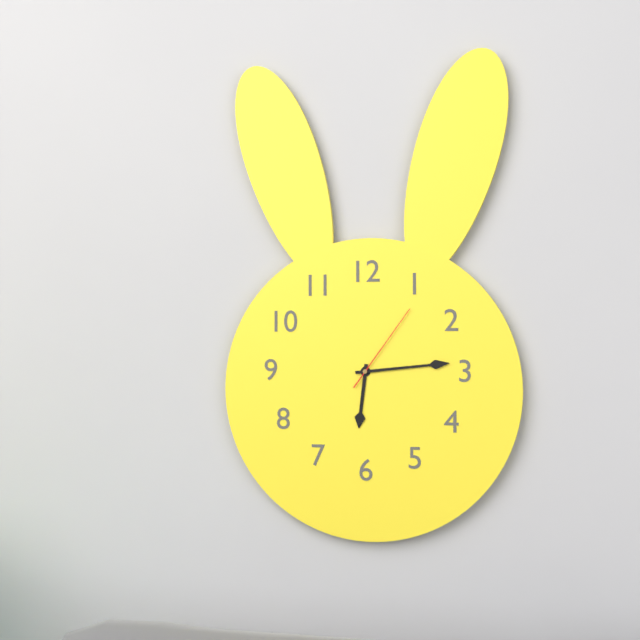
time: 6:14:06
